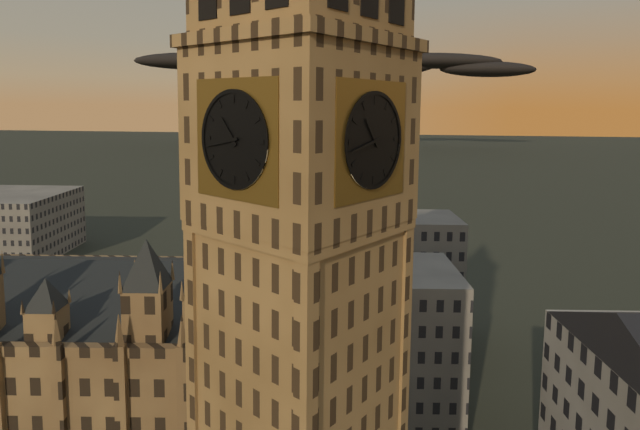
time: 10:43
